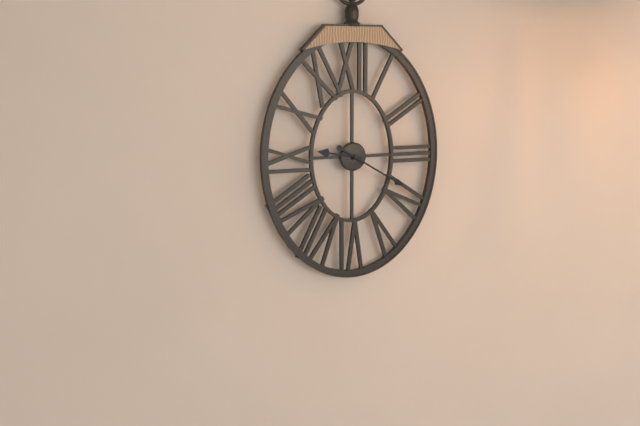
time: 9:20
